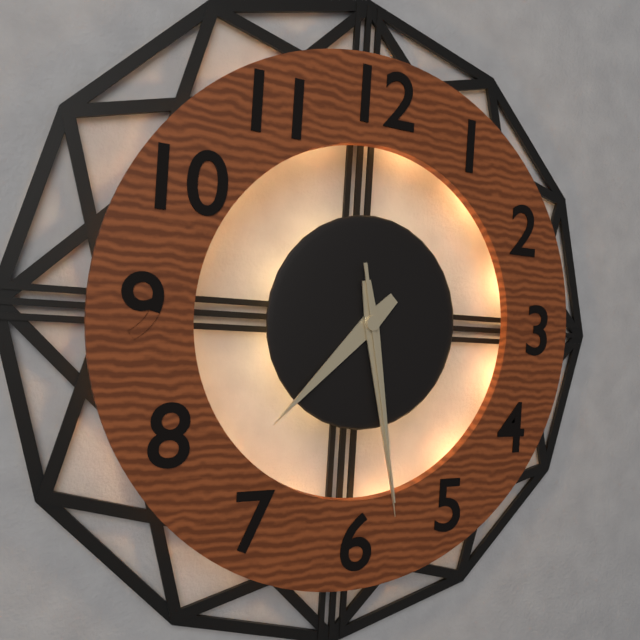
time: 7:28:28
